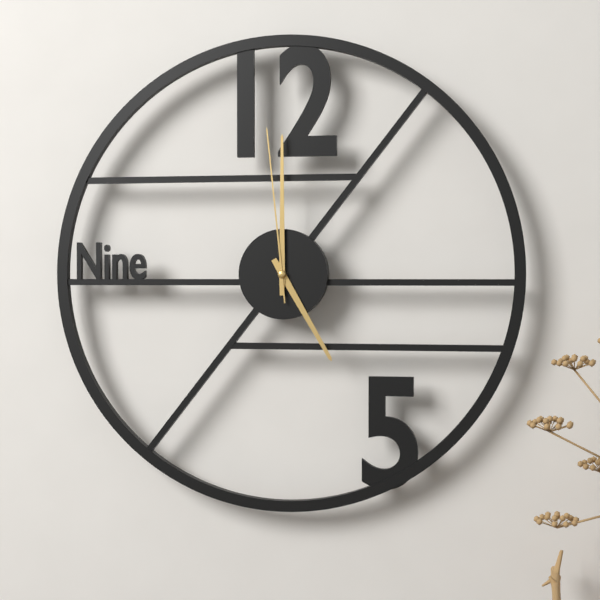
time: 5:00:59
